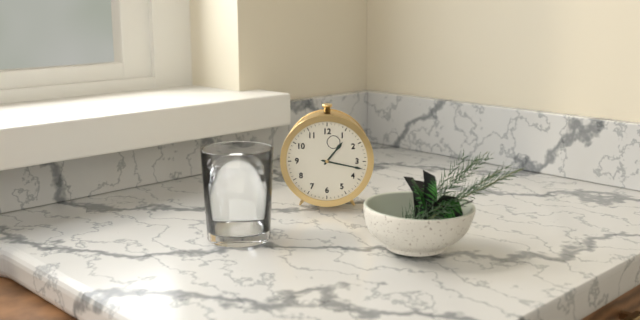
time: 1:17
